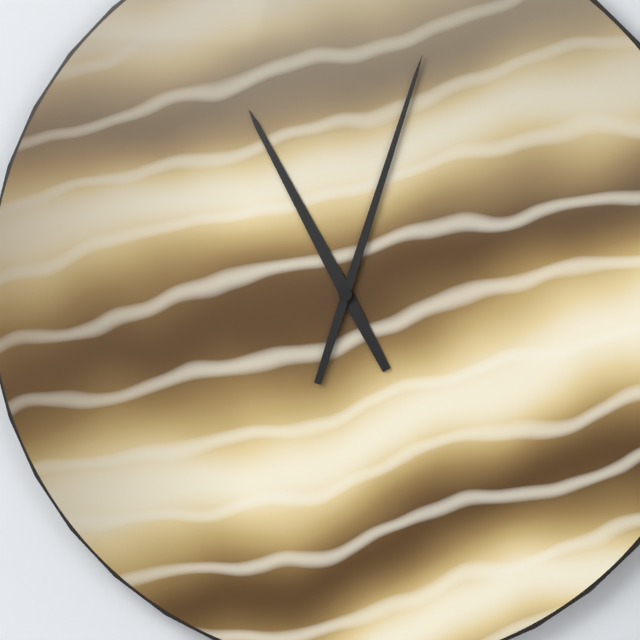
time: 11:03
